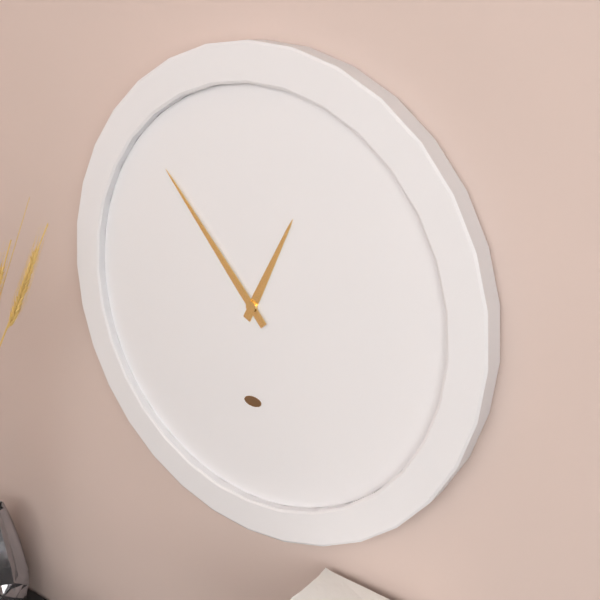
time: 12:53
